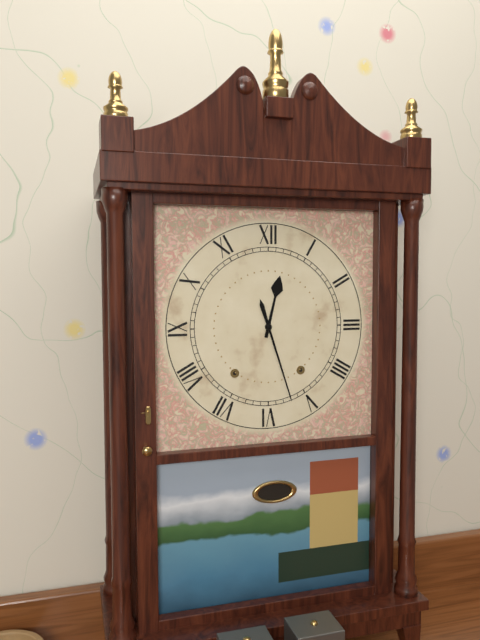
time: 12:27
